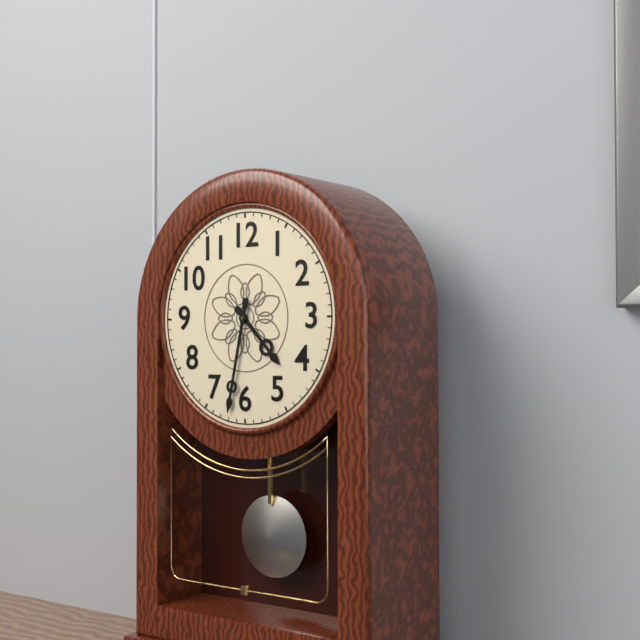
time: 4:32
